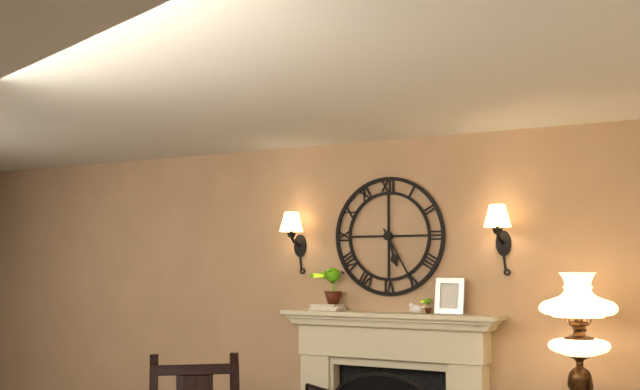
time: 5:25
